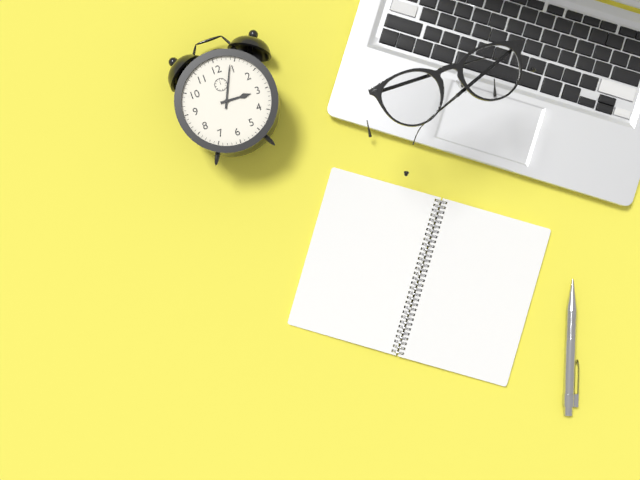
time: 3:04
